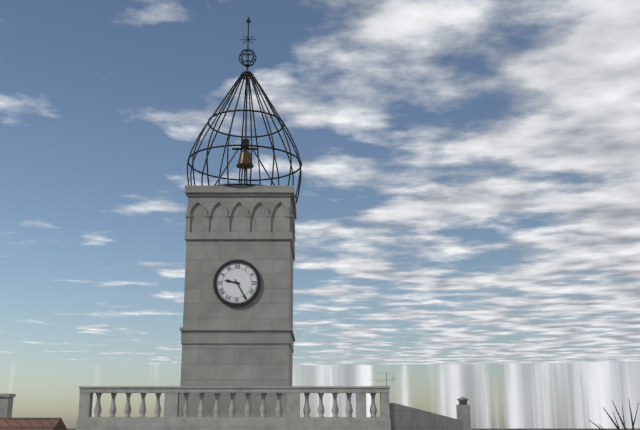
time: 9:25
